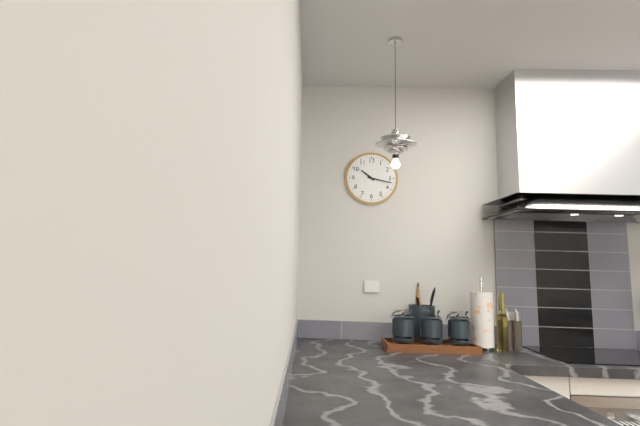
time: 10:17
